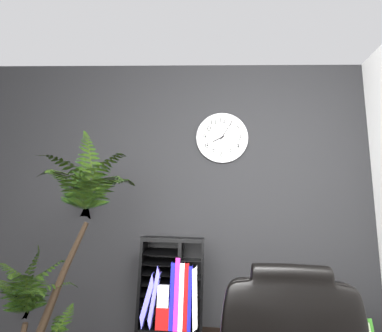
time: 8:05
